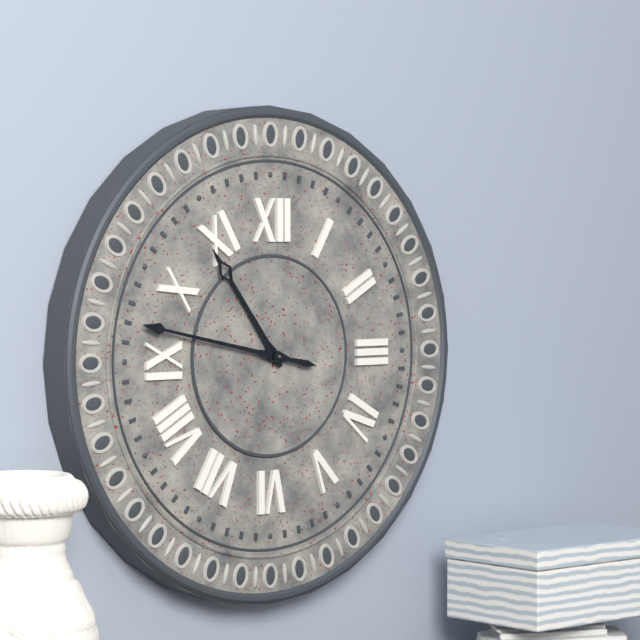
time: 10:47
